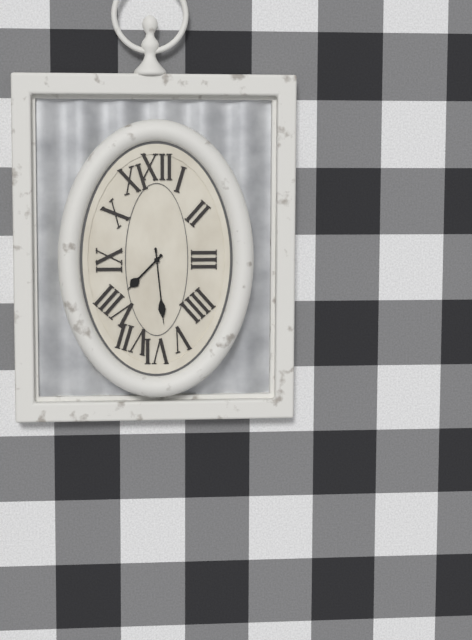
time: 7:29
